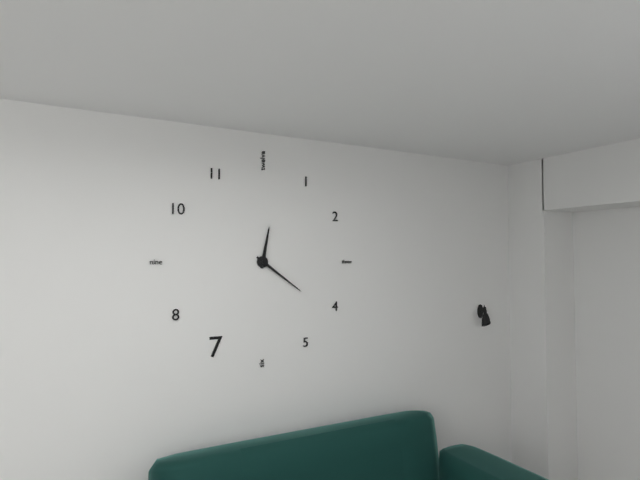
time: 12:21
